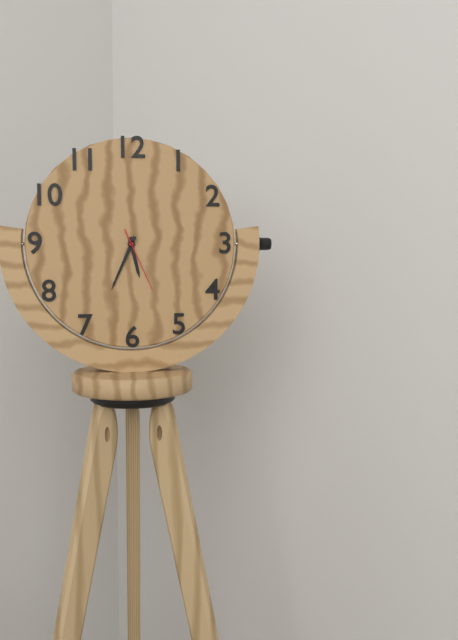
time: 5:34:26
